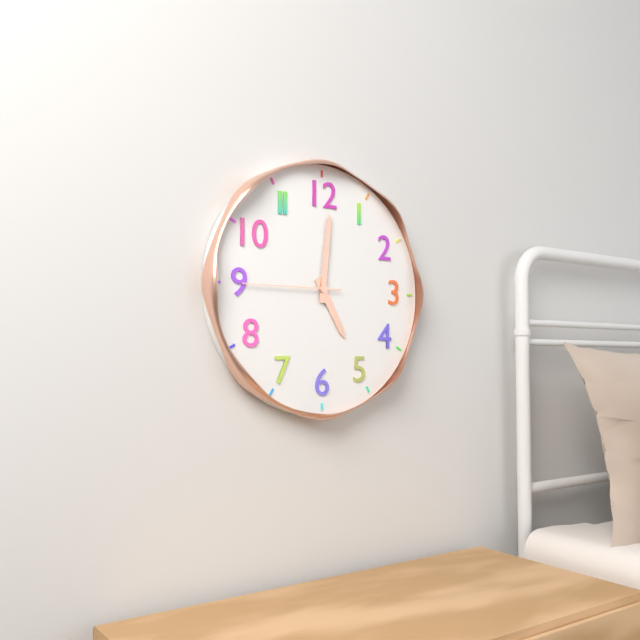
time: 5:01:45
